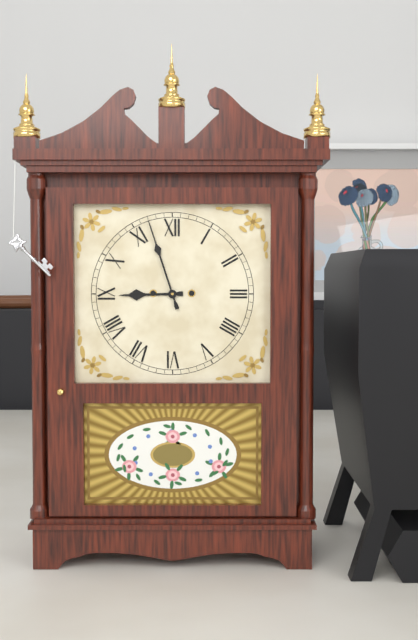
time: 8:57
